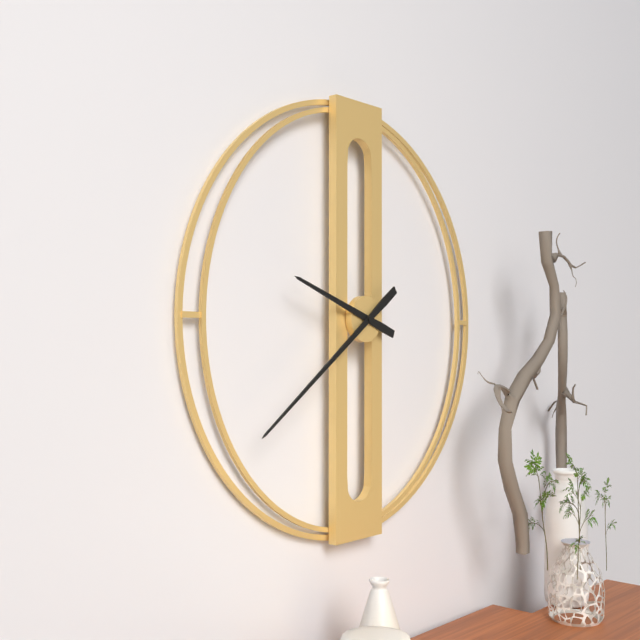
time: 9:39
